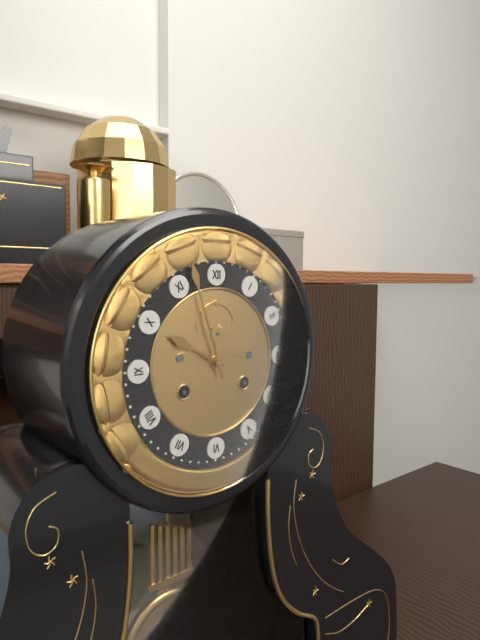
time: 9:57
